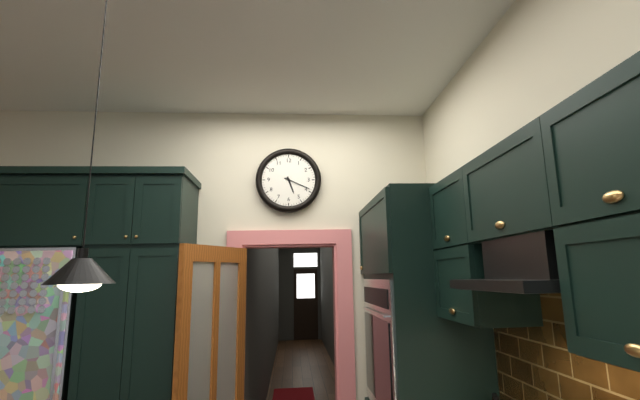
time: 5:19
